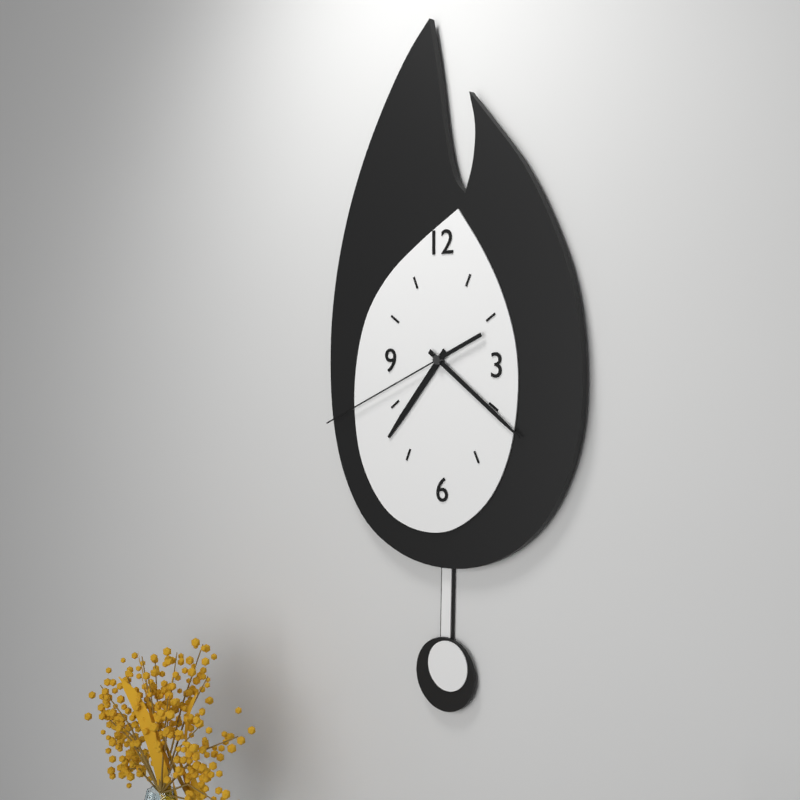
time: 7:21:41
